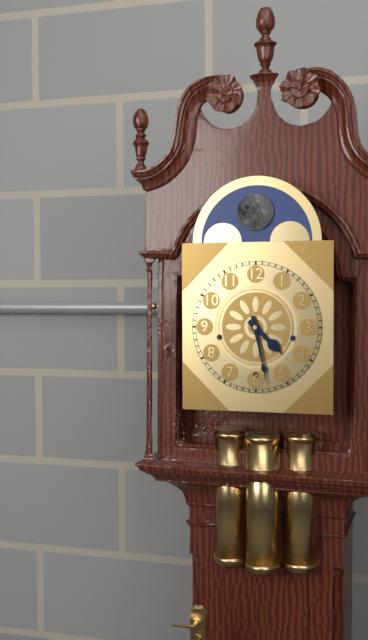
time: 4:28
